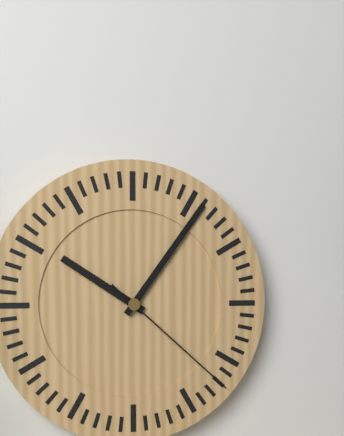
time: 10:06:22
